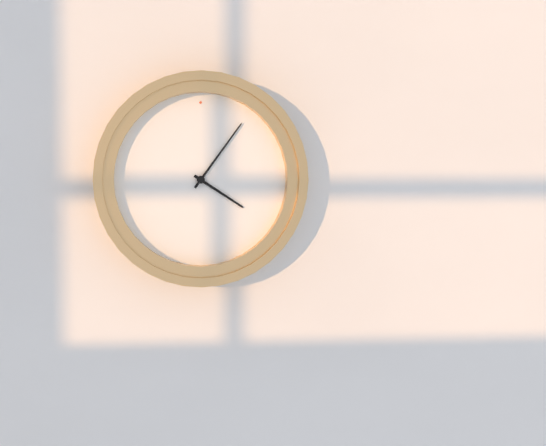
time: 4:06
